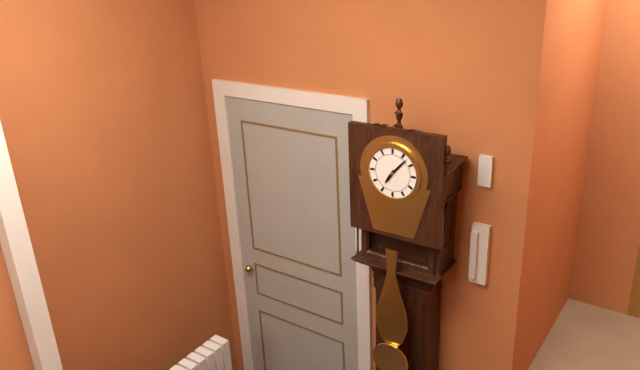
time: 7:07
